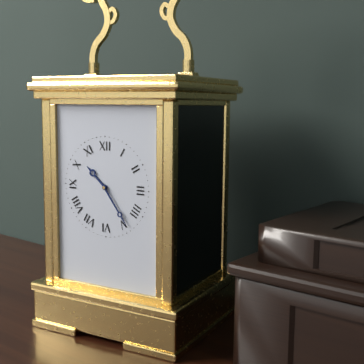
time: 10:24
